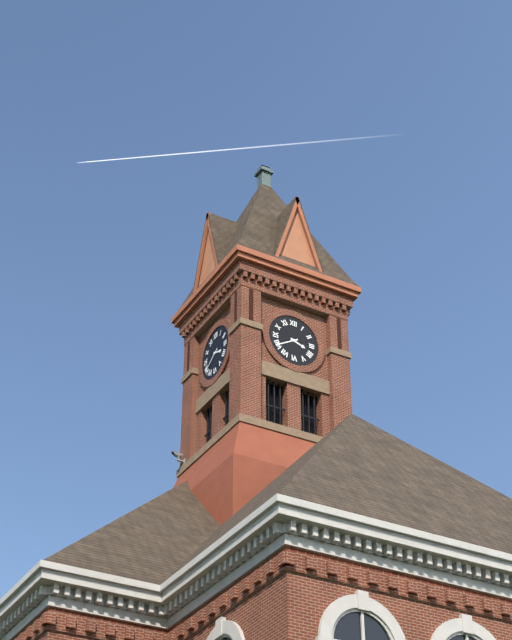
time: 3:40
